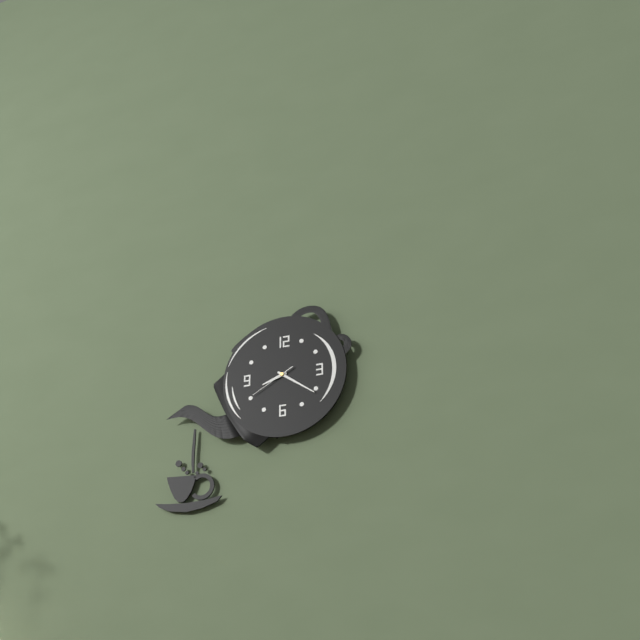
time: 8:21
